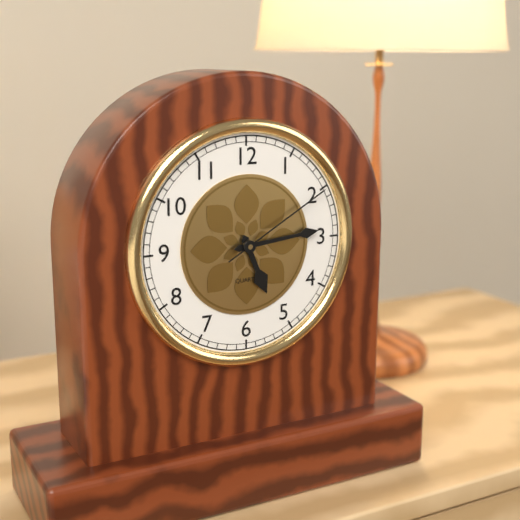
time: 5:14:10
